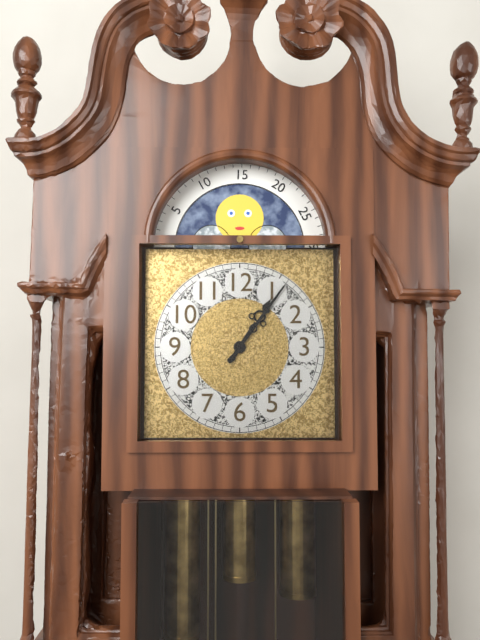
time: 1:06
